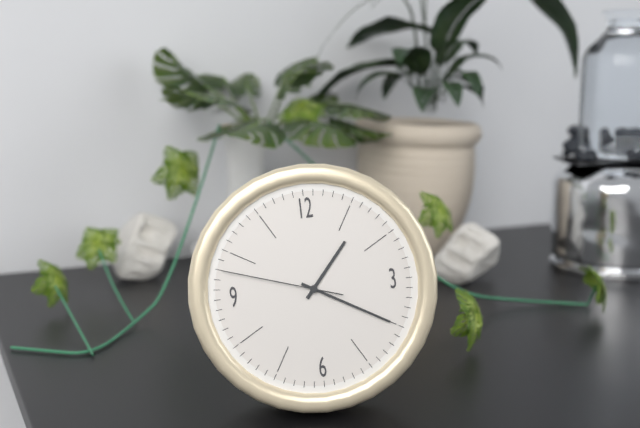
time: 1:20:48
